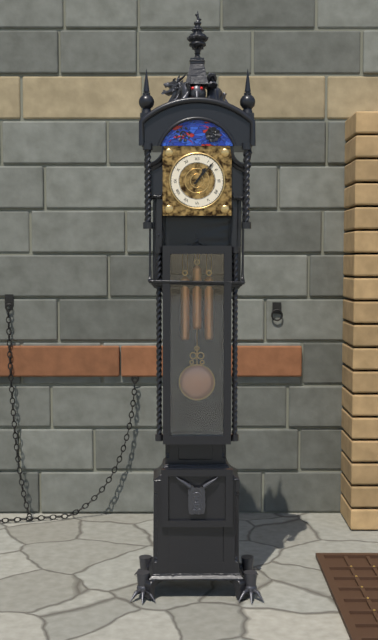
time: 1:07
